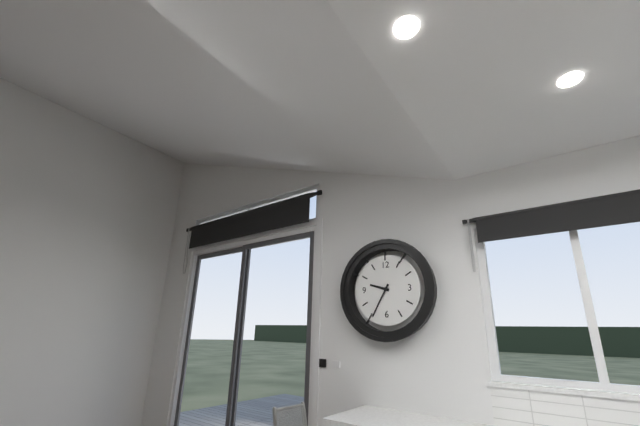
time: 9:35
